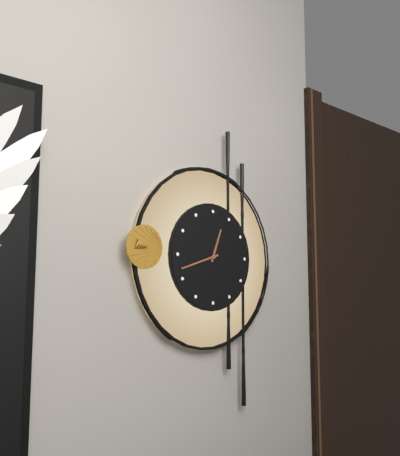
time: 12:42
